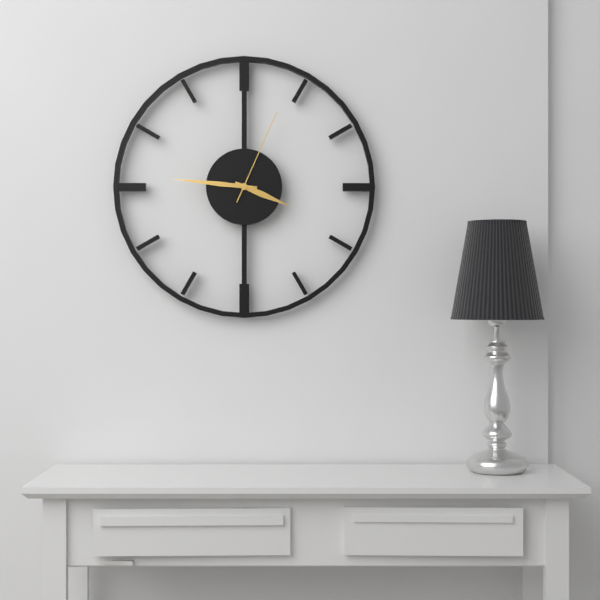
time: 3:46:04
